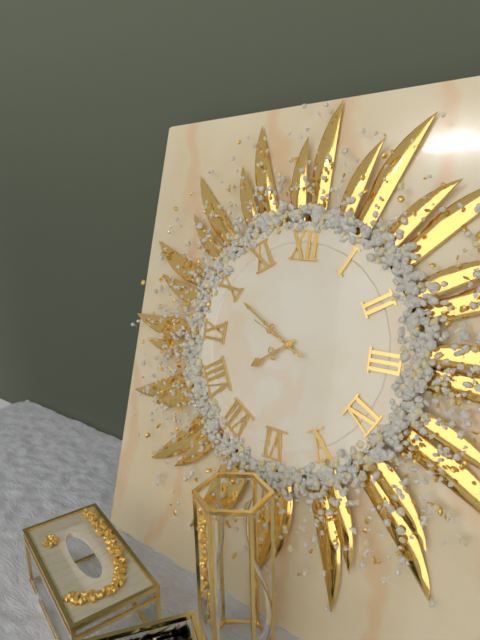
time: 7:50:49
